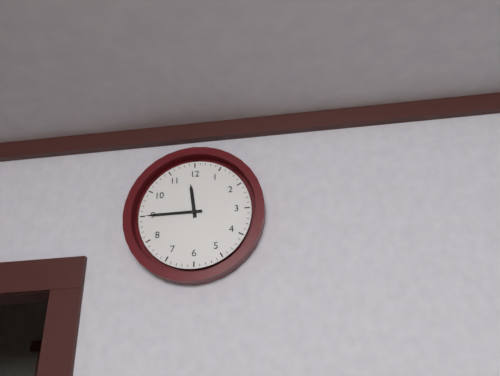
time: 11:45
